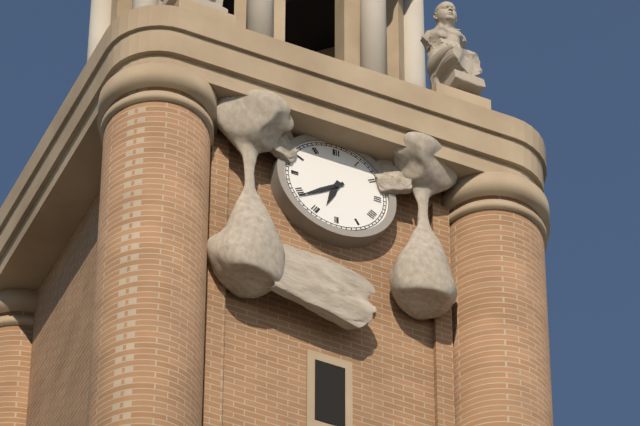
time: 6:39
